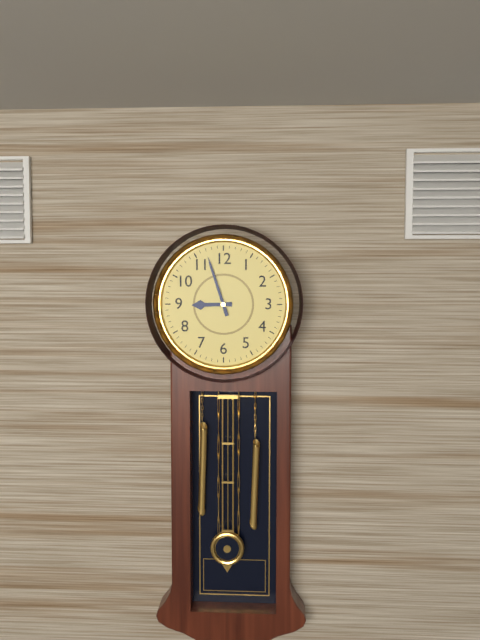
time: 8:57
